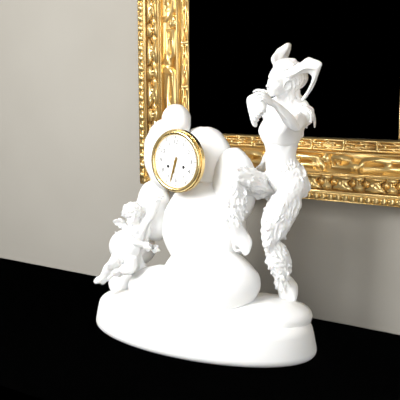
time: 6:33
